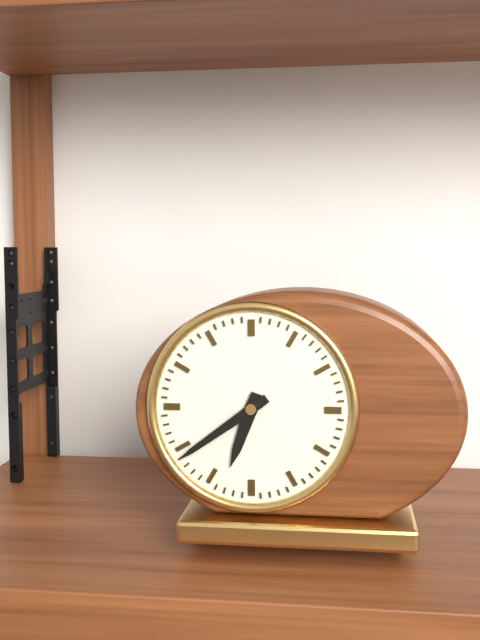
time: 6:39
